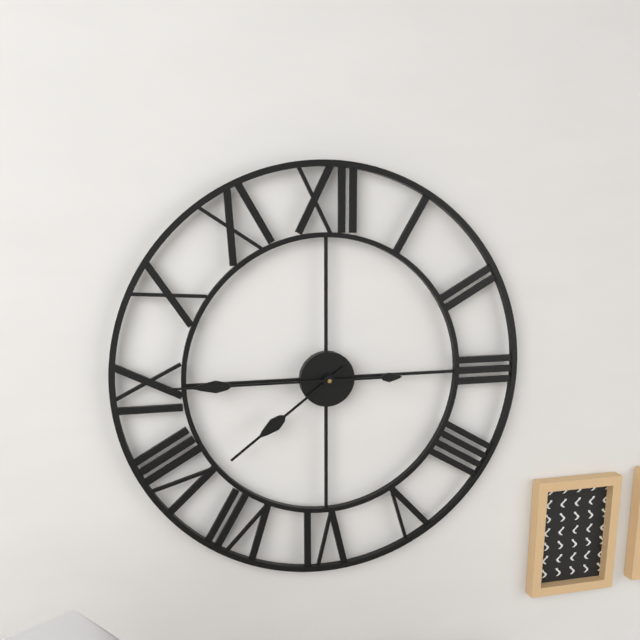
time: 7:45
